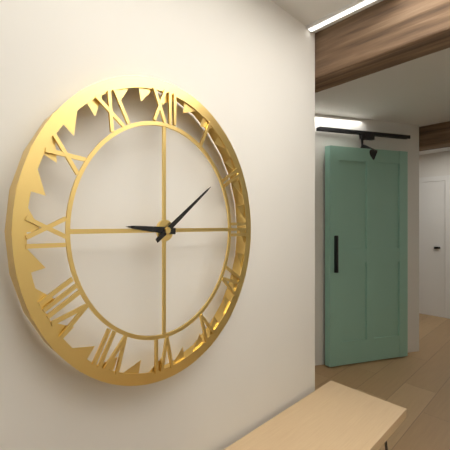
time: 9:09
